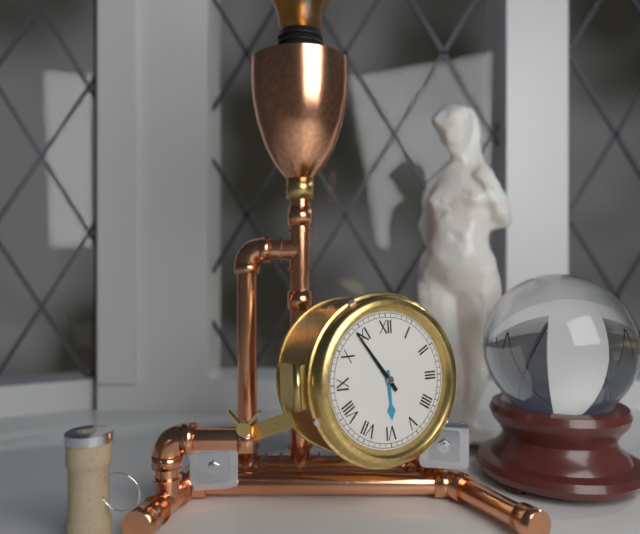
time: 5:54
